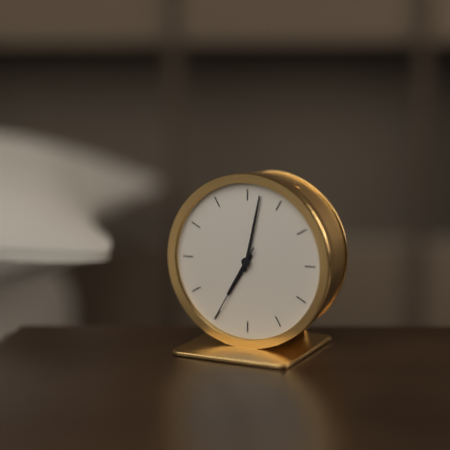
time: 7:02:35
